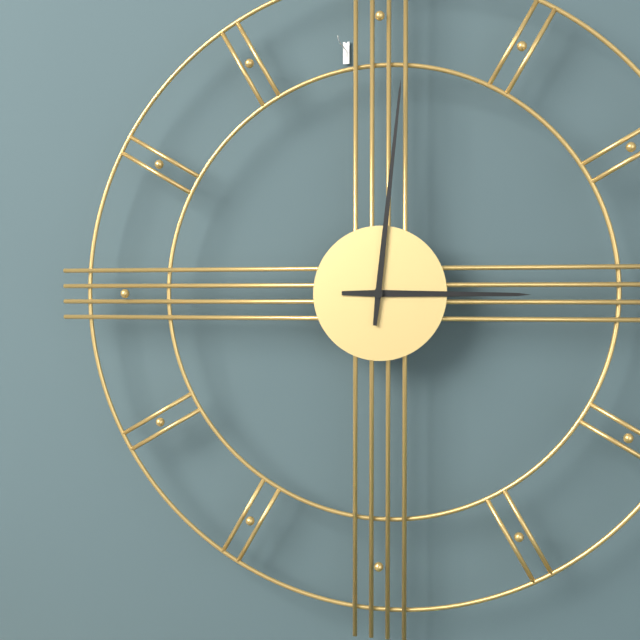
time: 3:01
